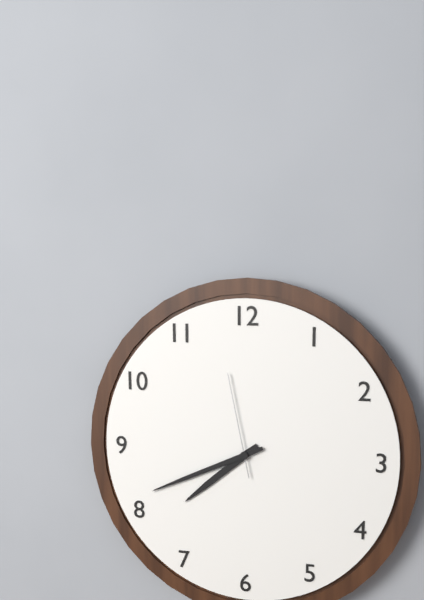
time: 7:41:58
